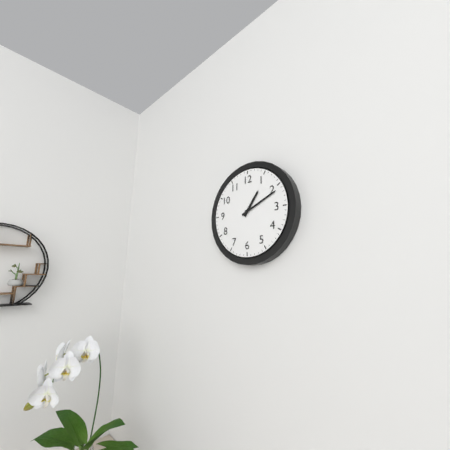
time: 1:11
